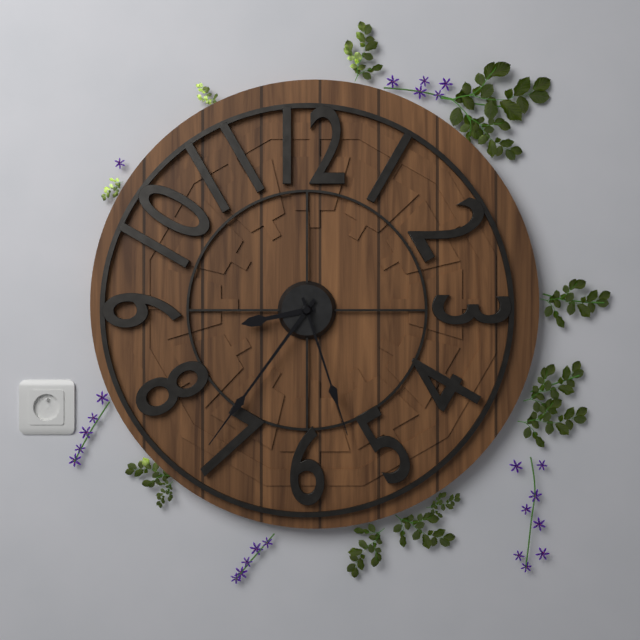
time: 8:36:27
